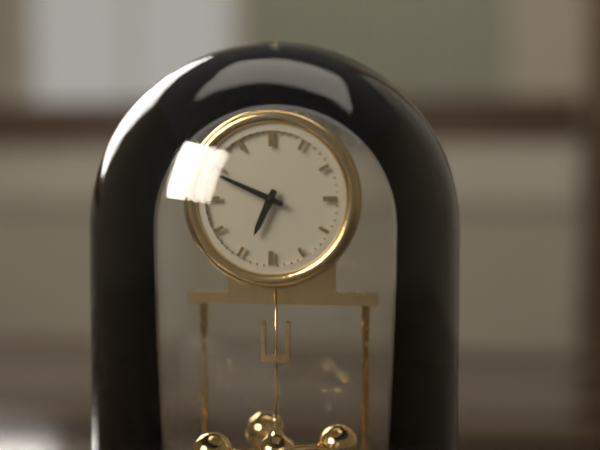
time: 6:49
